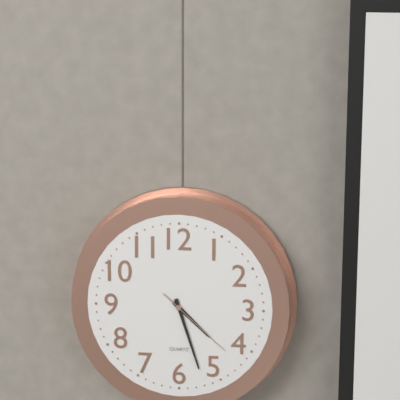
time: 4:27:22
